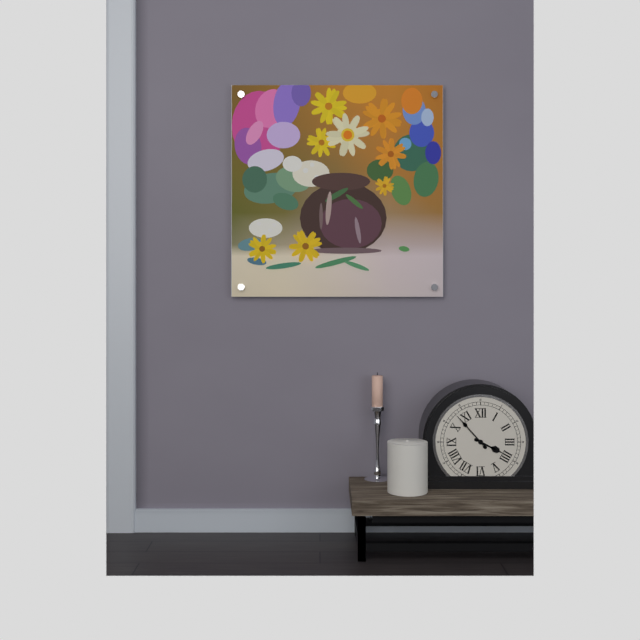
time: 3:53
